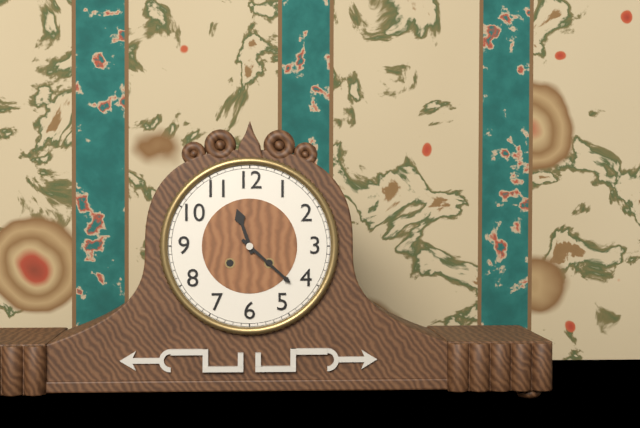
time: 11:22
